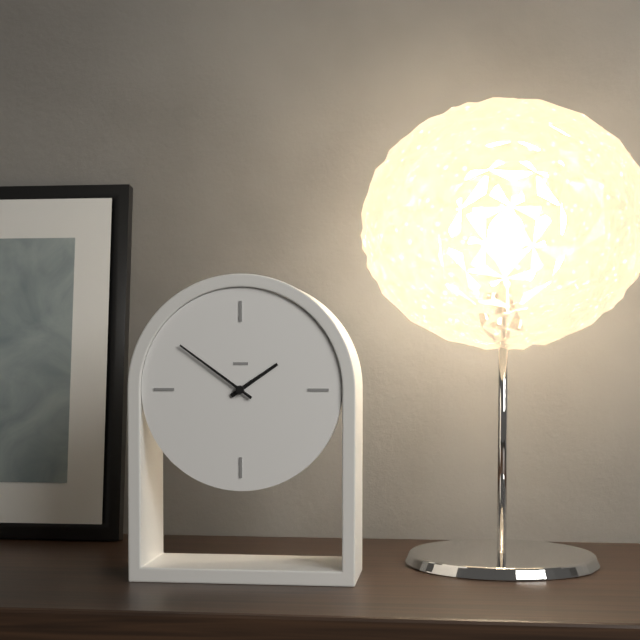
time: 1:51
